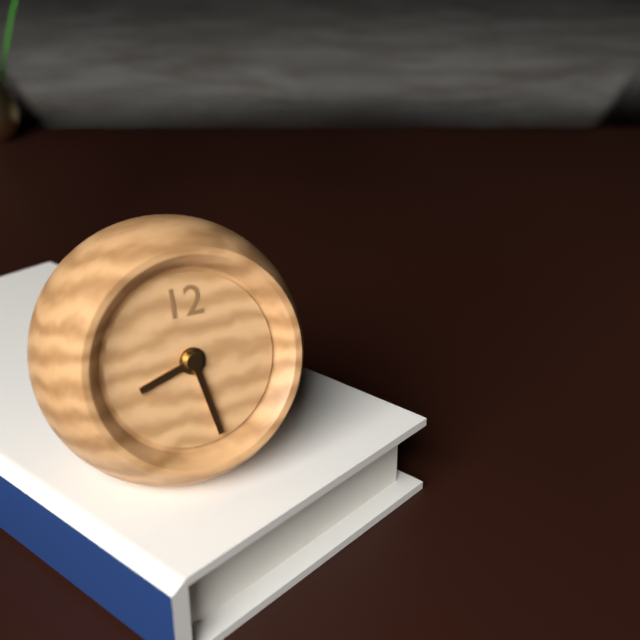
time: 8:28
